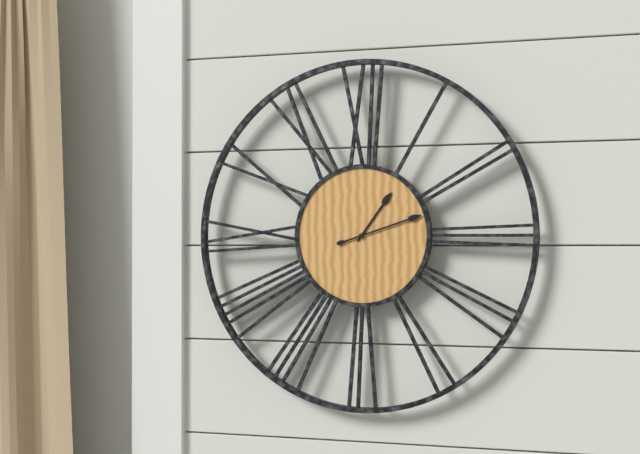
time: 1:12
